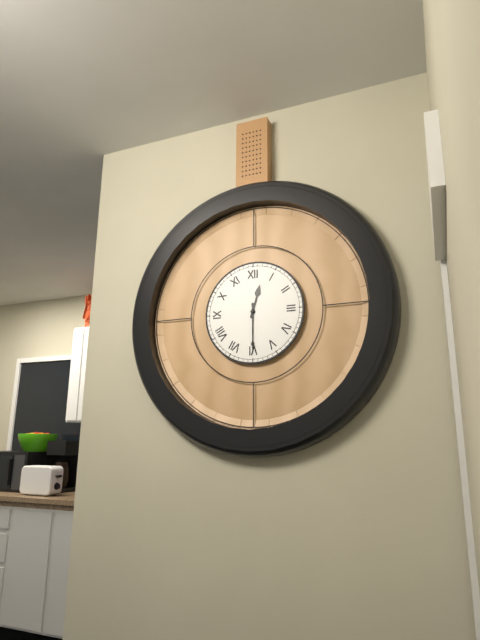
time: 12:30
